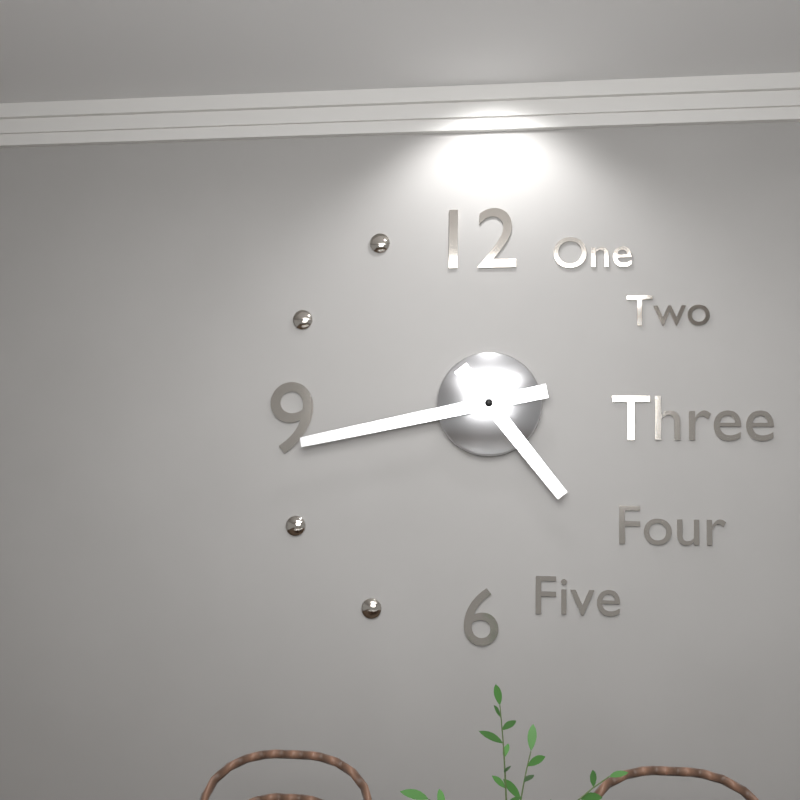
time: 4:43
